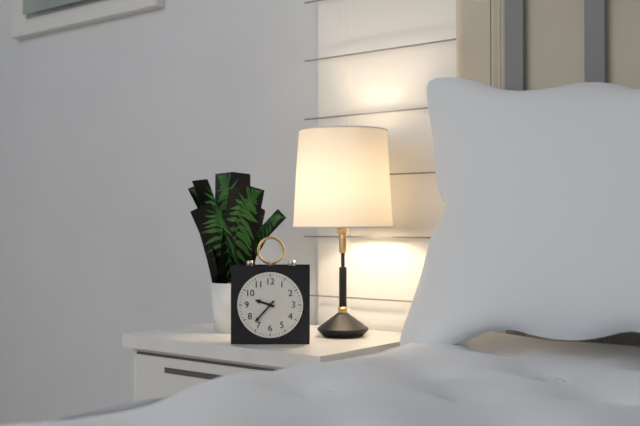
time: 9:37
